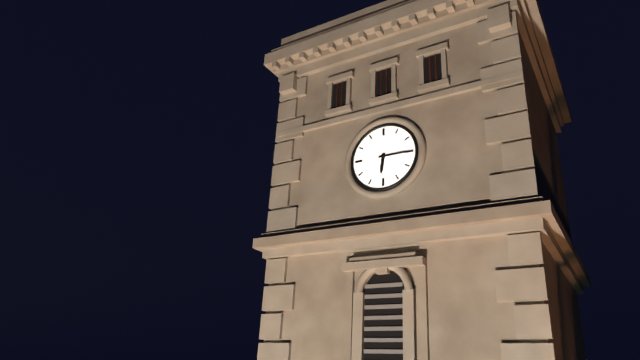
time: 6:15
